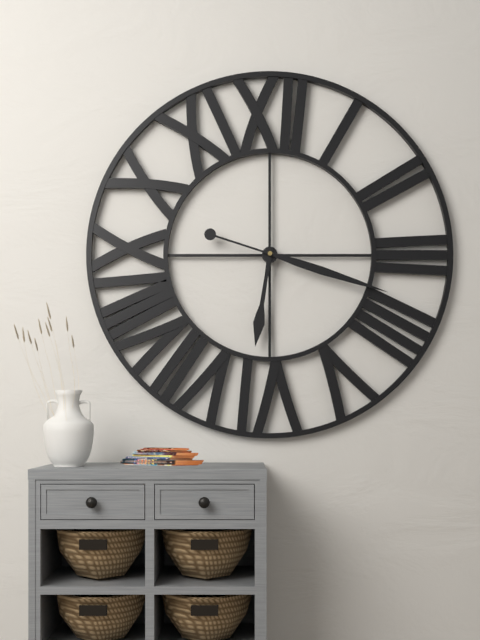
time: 6:18
